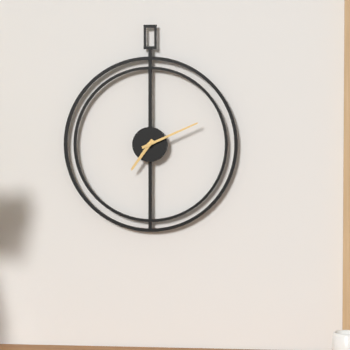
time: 7:11
